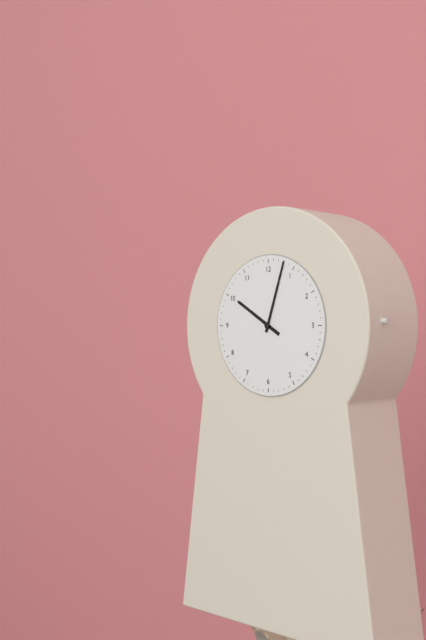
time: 10:03
